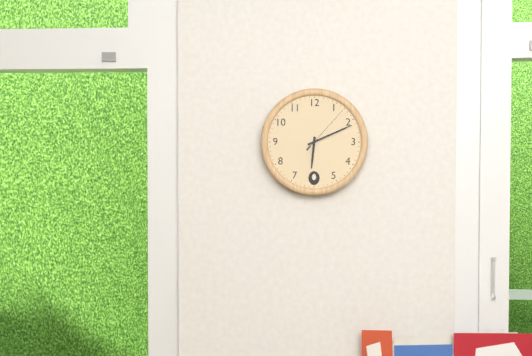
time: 6:11:07
